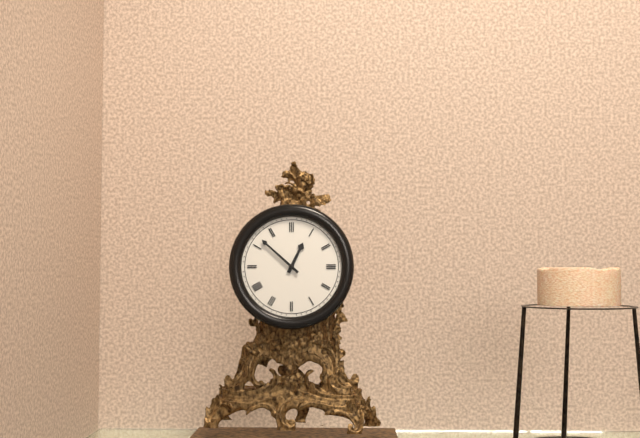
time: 12:52
